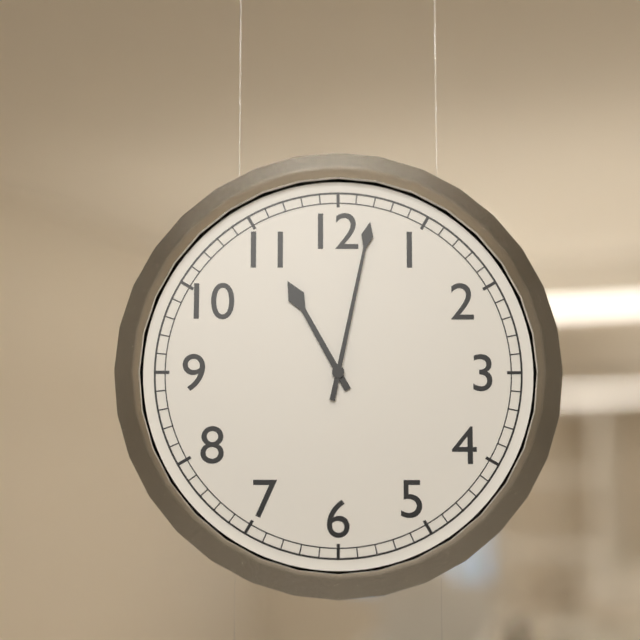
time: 11:02
